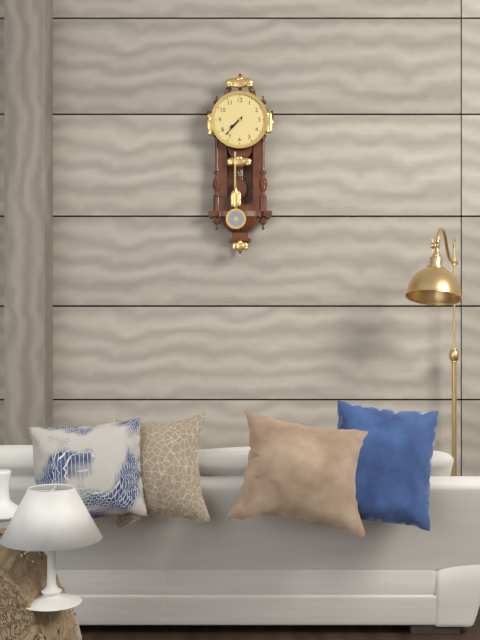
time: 7:37
